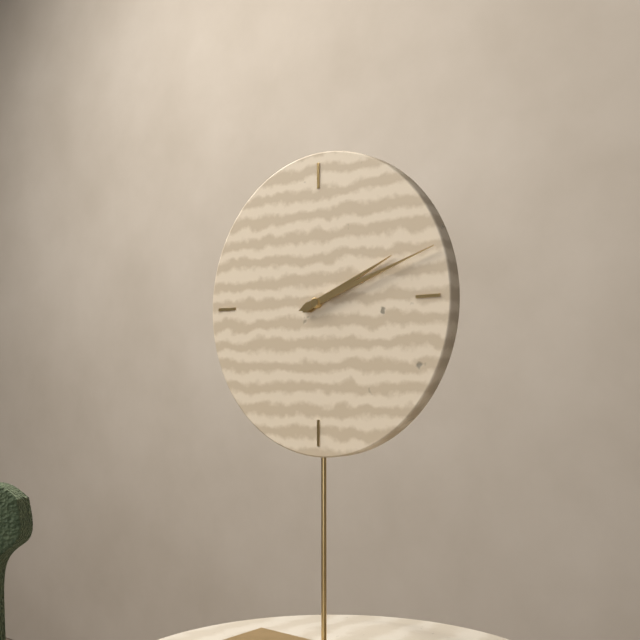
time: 2:12
